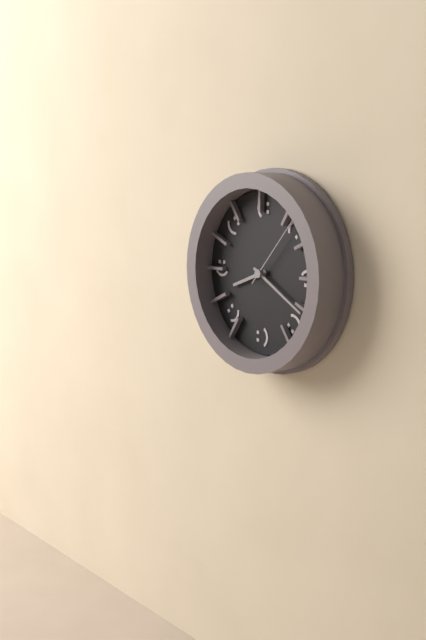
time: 8:20:07
